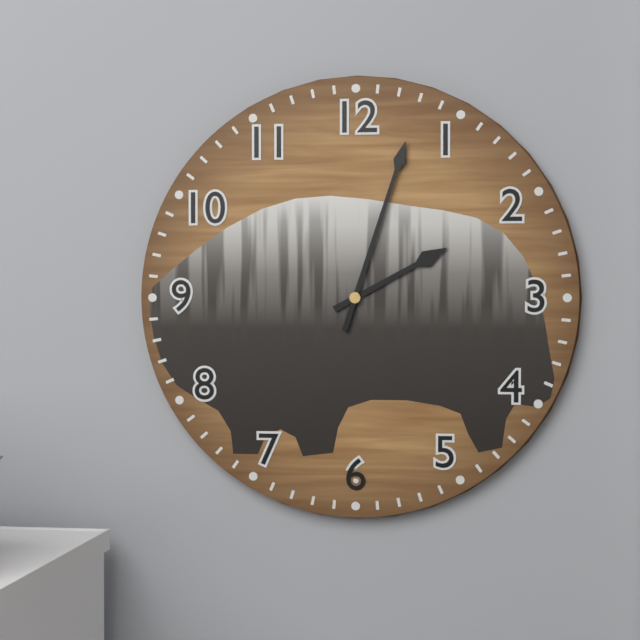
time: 2:03
